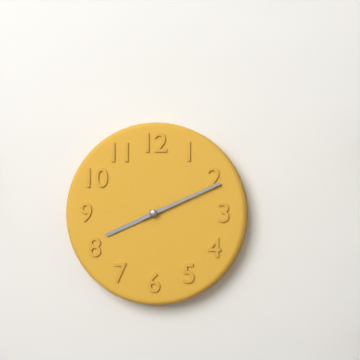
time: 8:11
